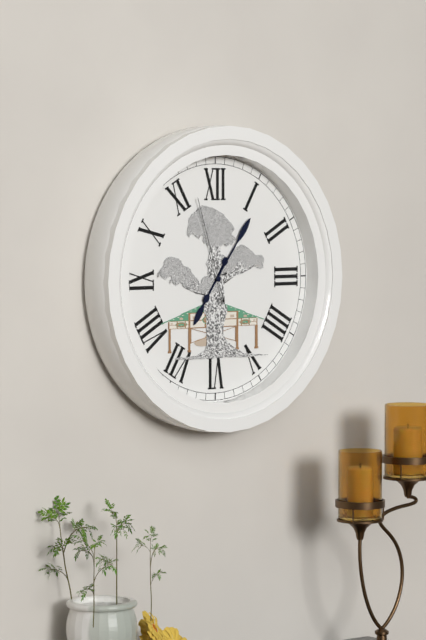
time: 7:06:57
